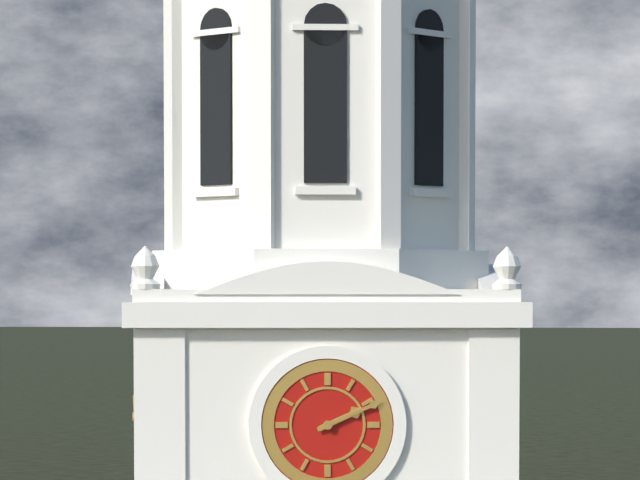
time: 2:11
